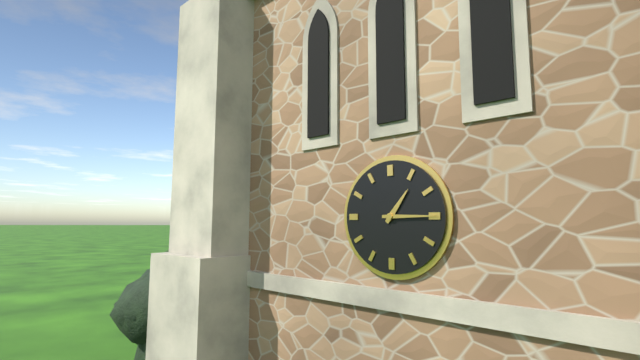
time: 1:15
